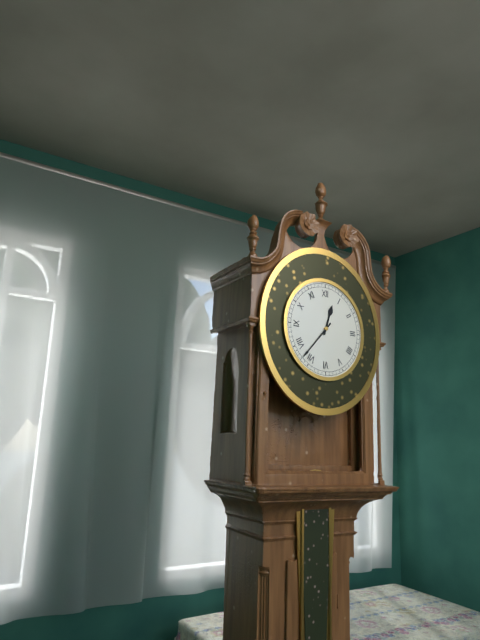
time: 12:37
